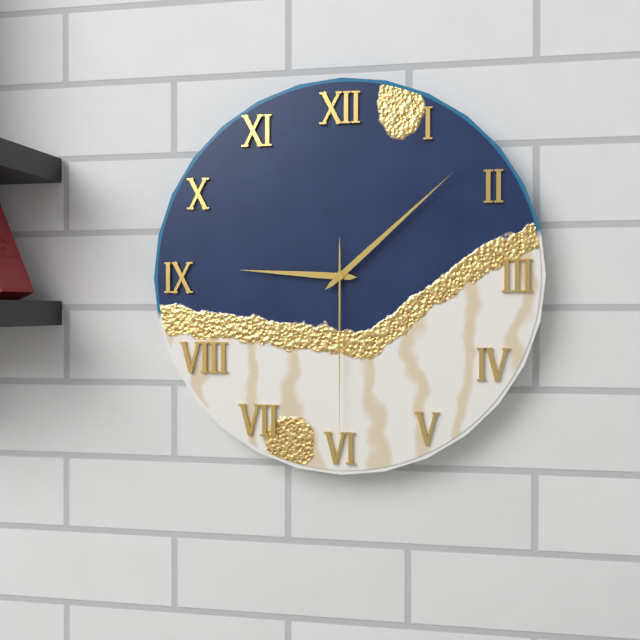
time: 9:08:30
